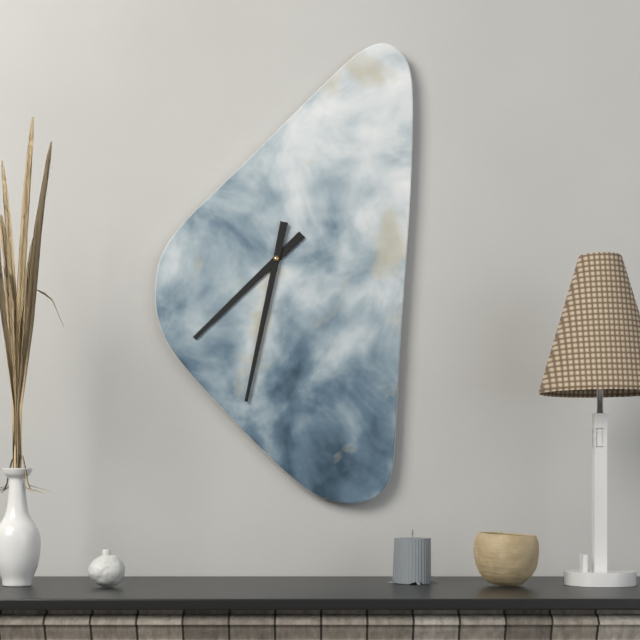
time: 7:32
